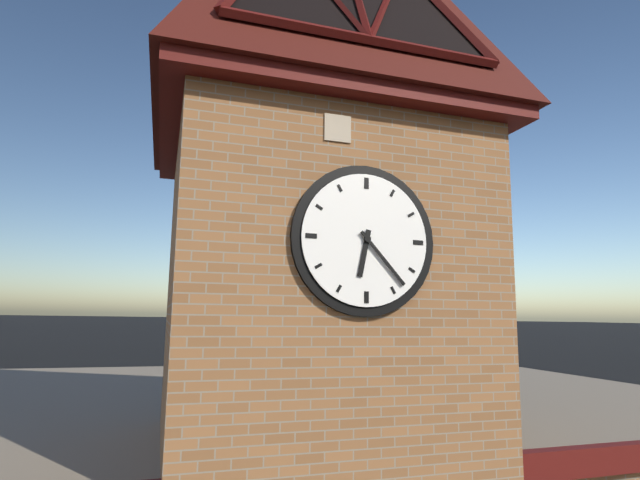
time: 6:23
